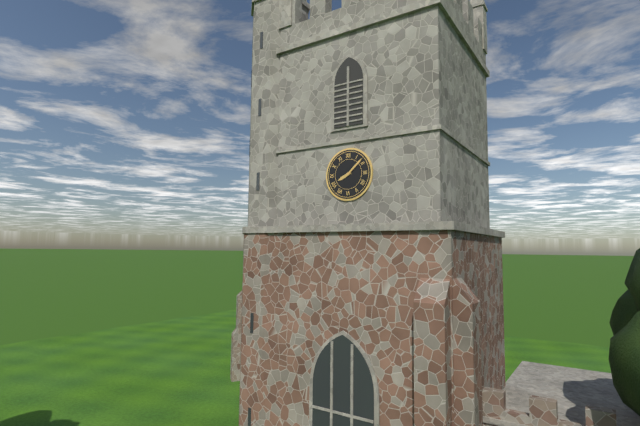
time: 8:08
